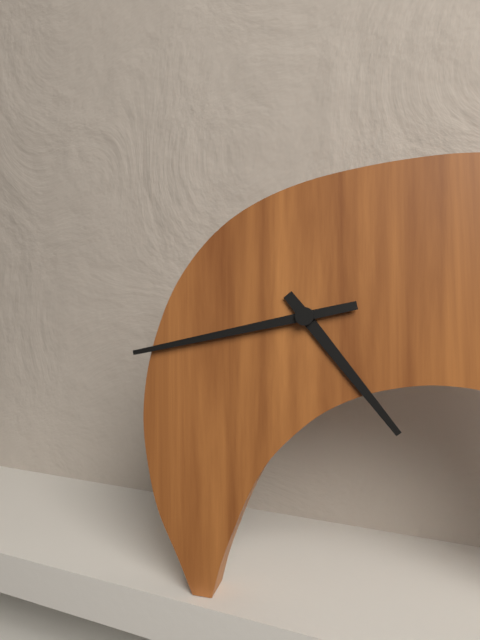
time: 4:43
